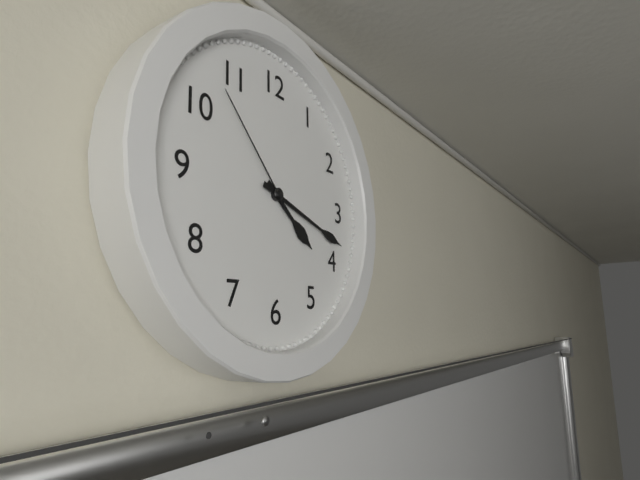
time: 4:18:53
